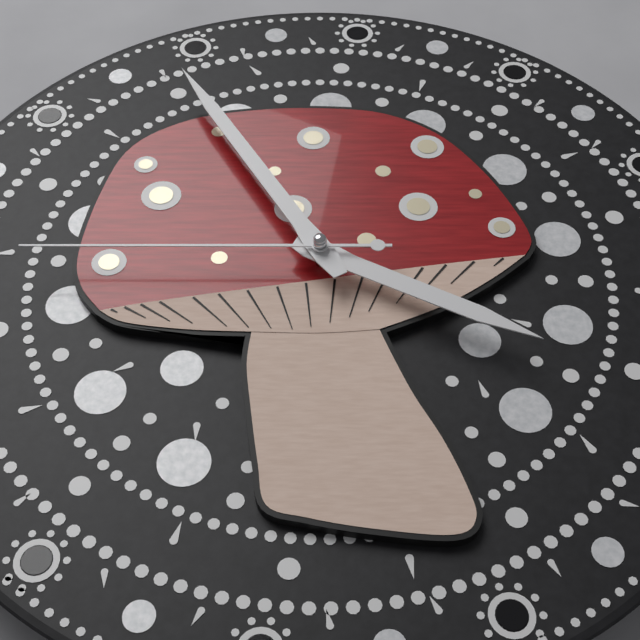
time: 3:55:45
